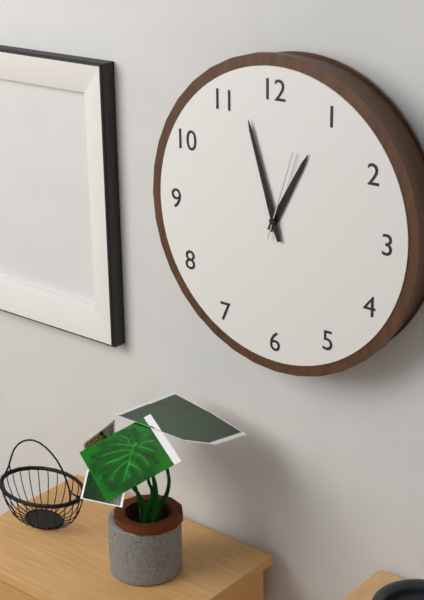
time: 12:57:03
